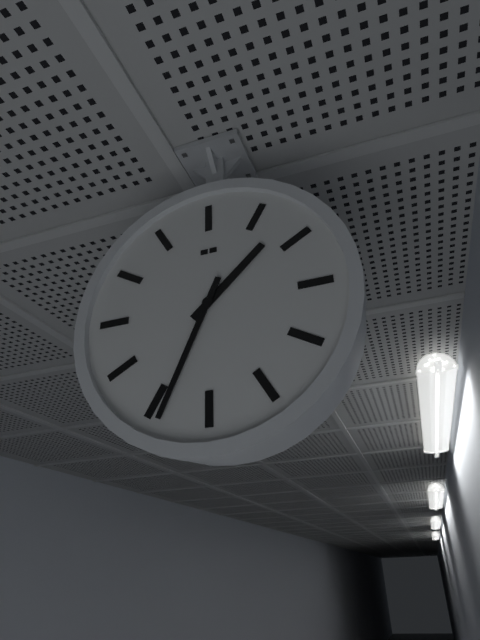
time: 1:34
